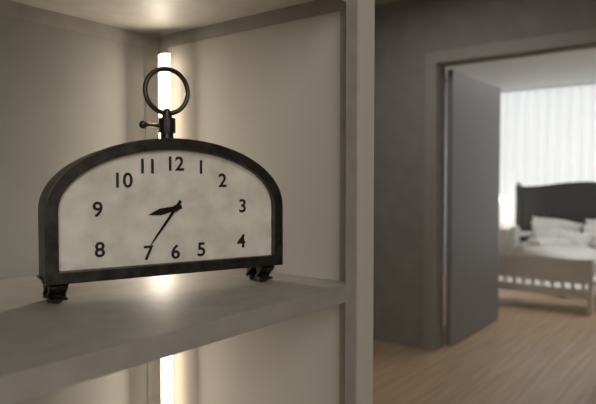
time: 8:36
